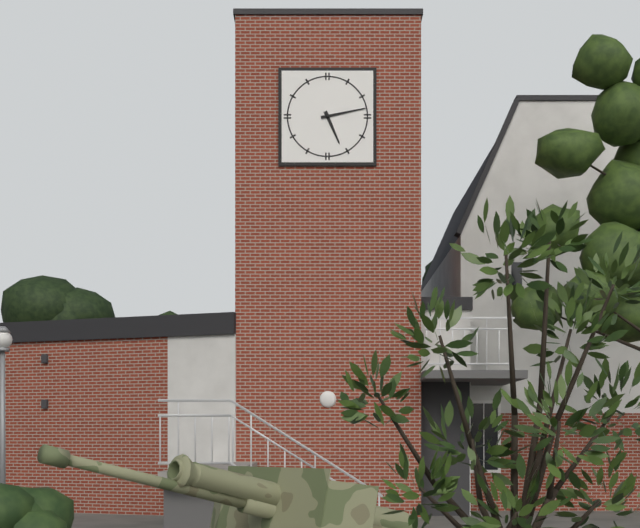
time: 5:13
